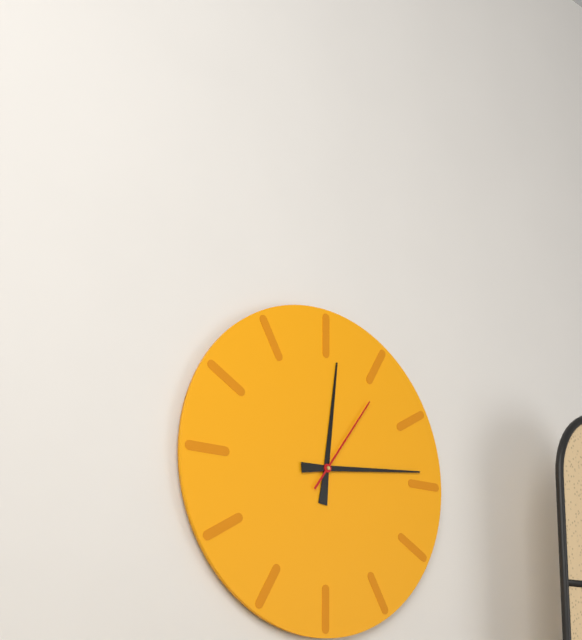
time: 12:14:06
